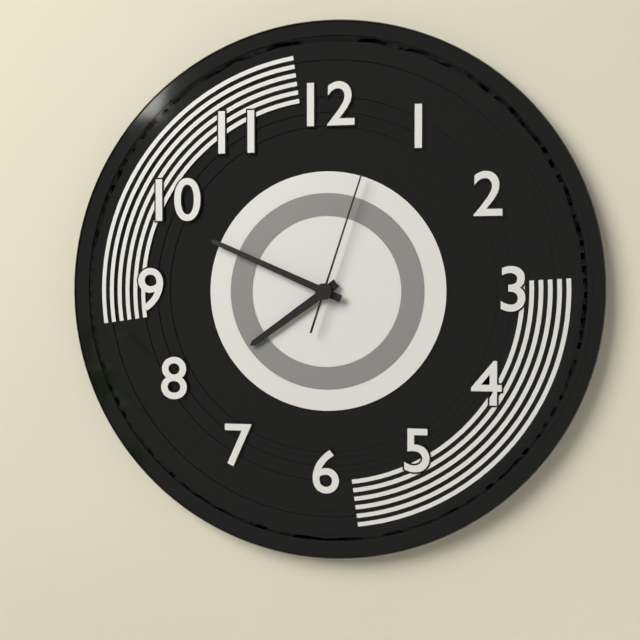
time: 7:49:03
